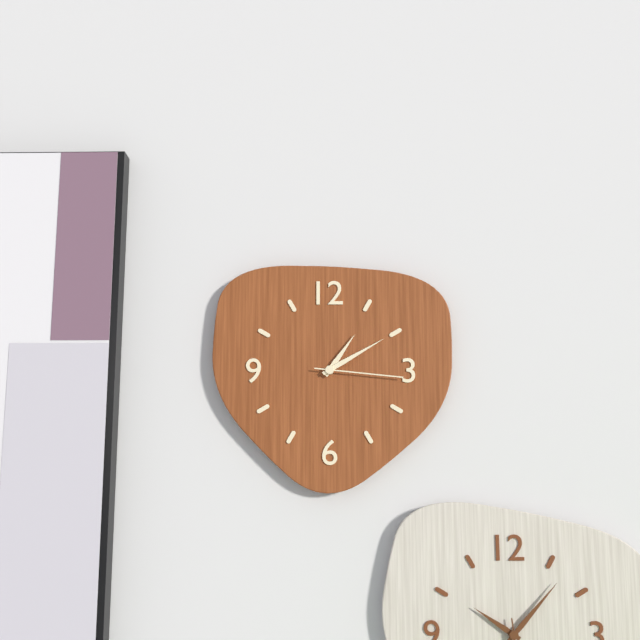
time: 1:10:16
